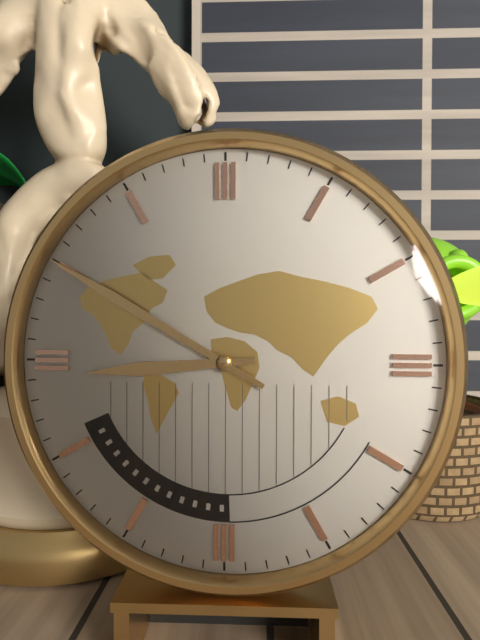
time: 8:50
